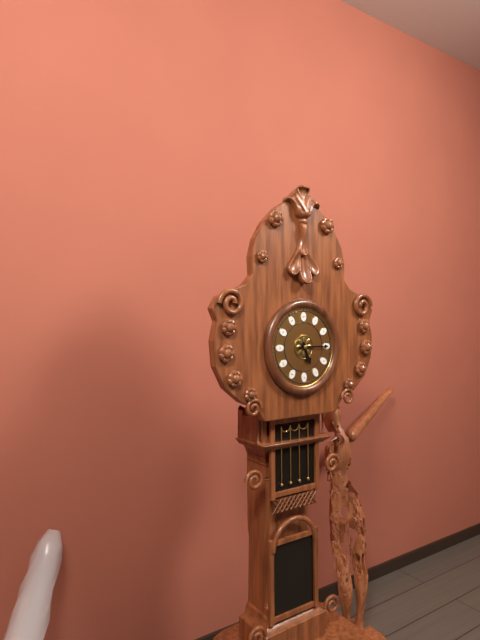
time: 5:15
